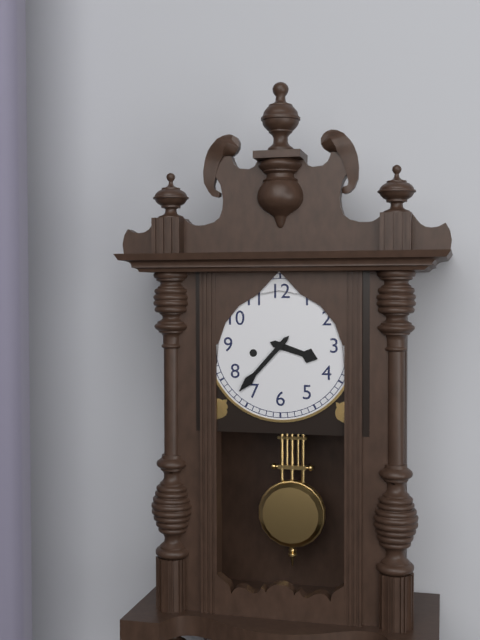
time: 3:37
